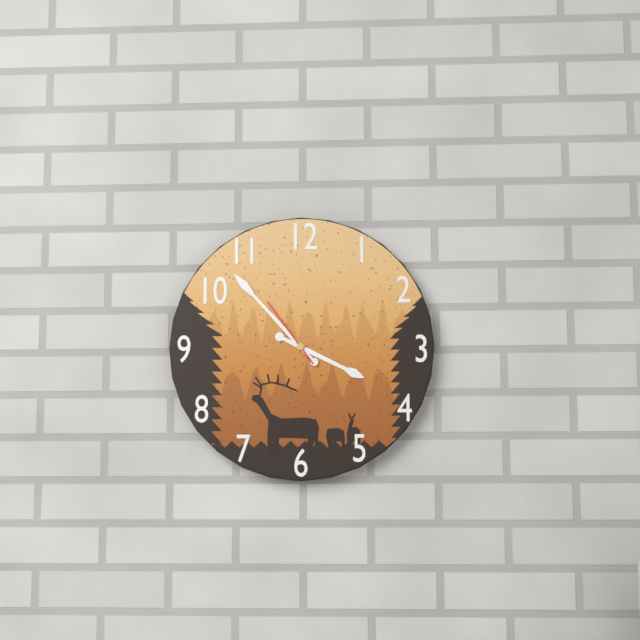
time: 3:53:54
